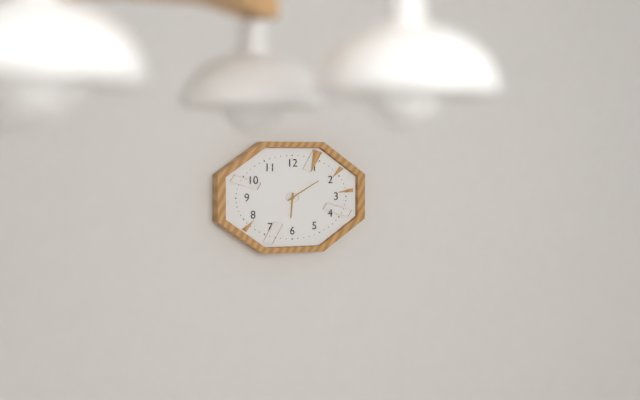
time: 6:10
